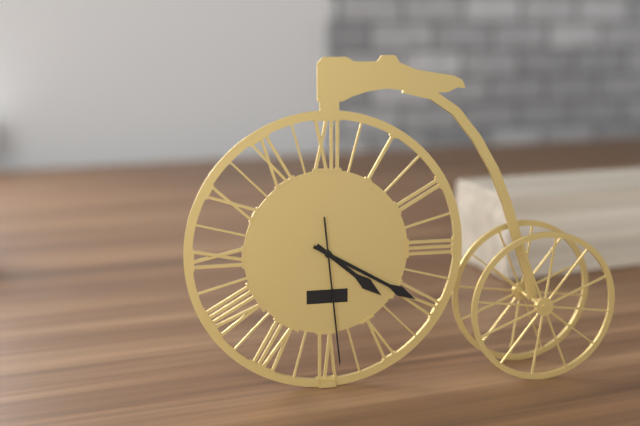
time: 4:20:29
